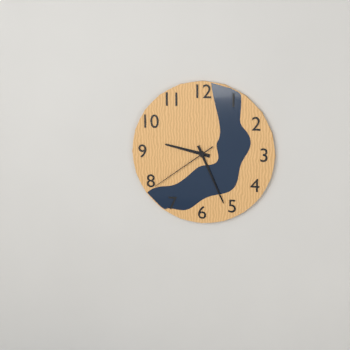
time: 9:26:39
